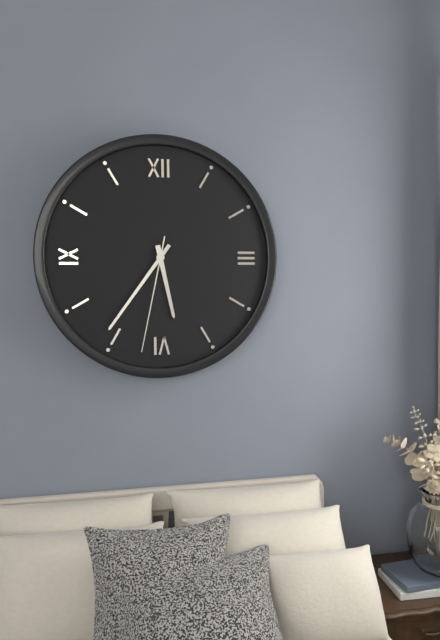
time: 5:36:32
